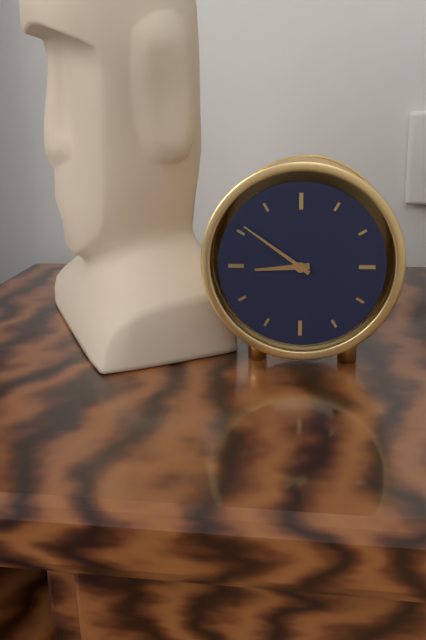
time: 8:51
